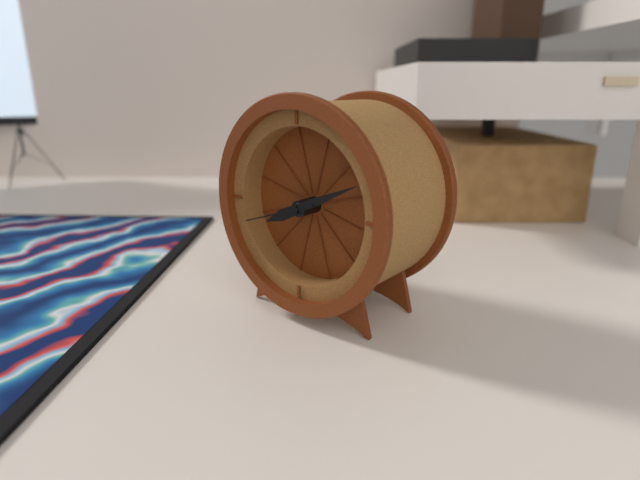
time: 8:11:42
